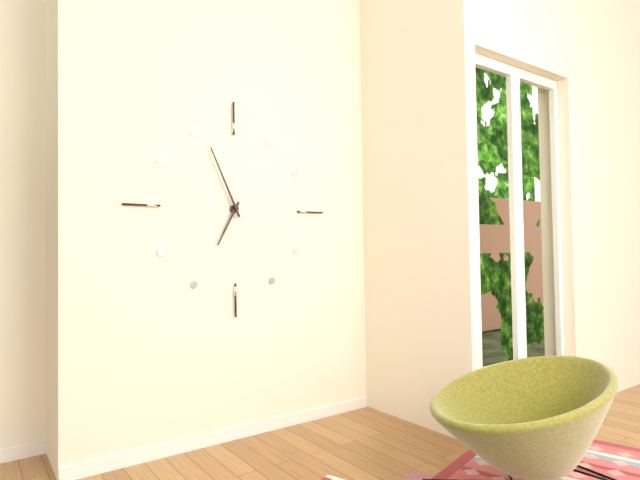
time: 6:56
